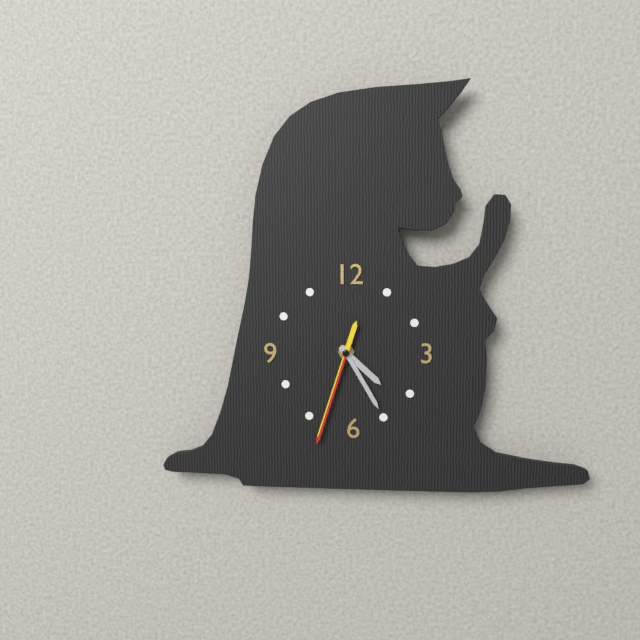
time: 4:25:33
